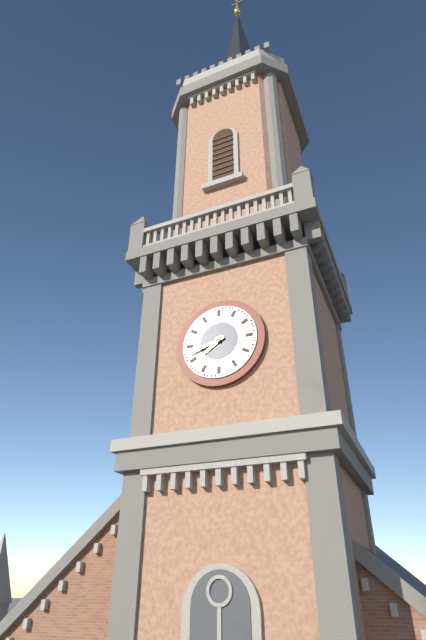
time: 7:42
